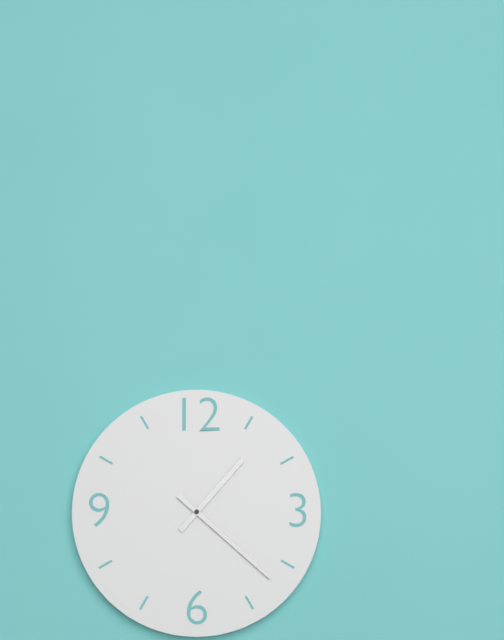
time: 1:22
